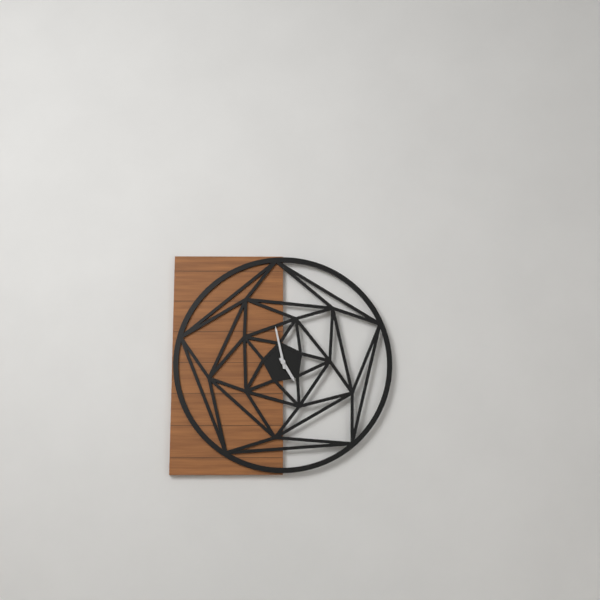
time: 4:58
